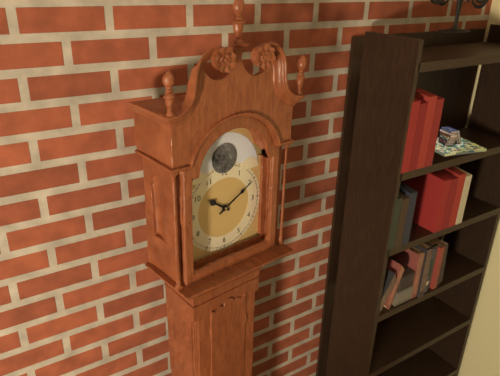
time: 10:10
